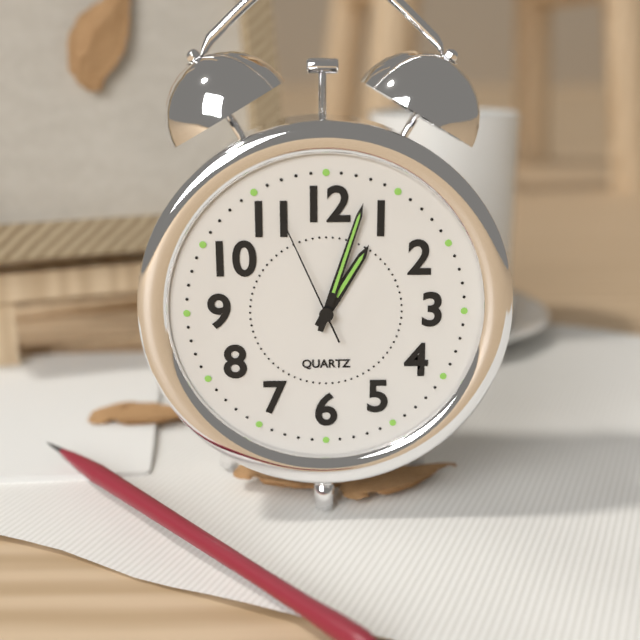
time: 1:03:56
